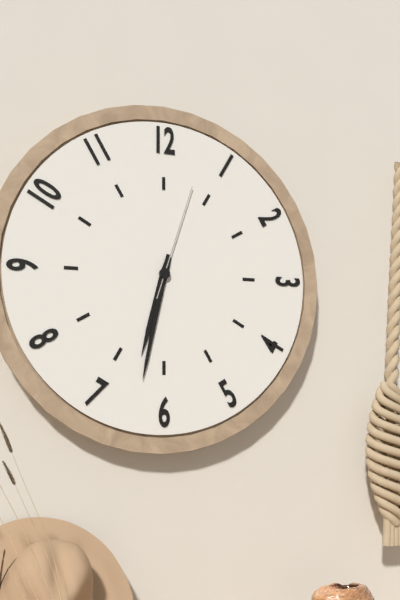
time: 6:32:03
